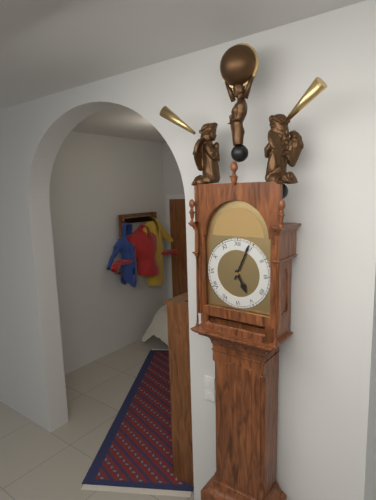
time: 5:04
